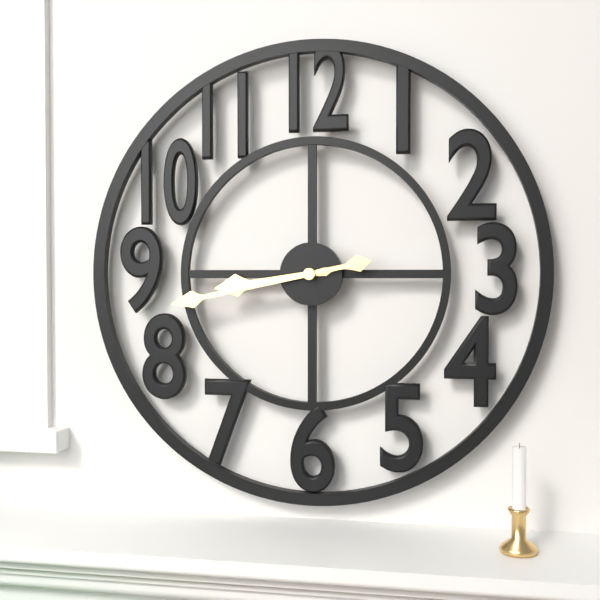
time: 8:43
